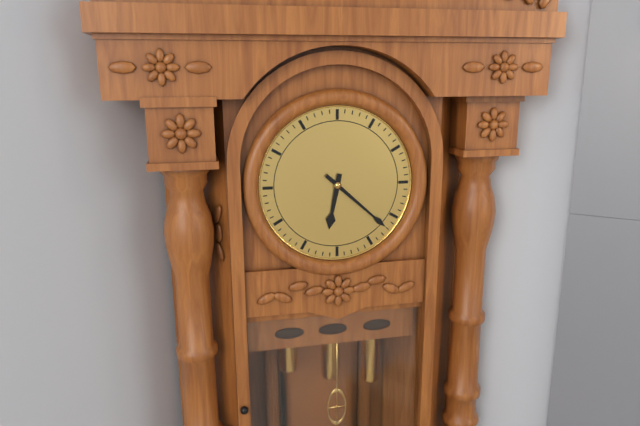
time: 6:22
